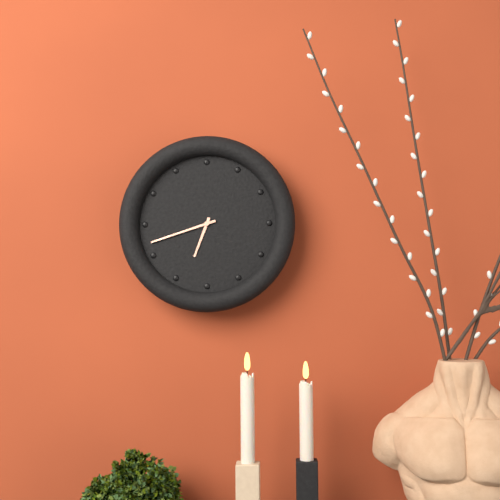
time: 6:42
